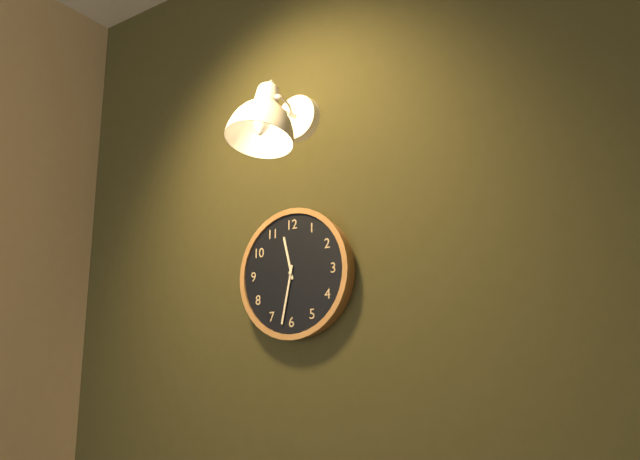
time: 11:32
